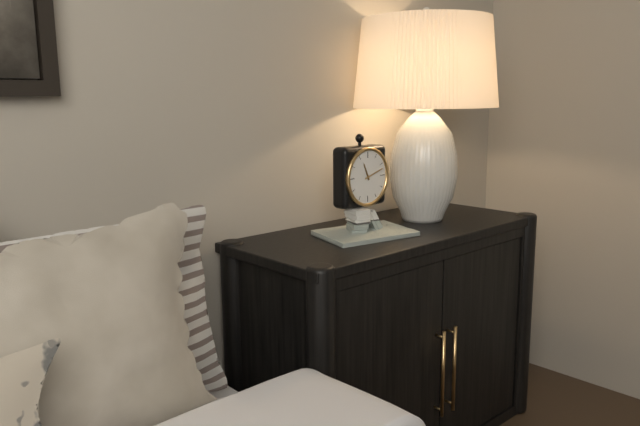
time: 11:12
